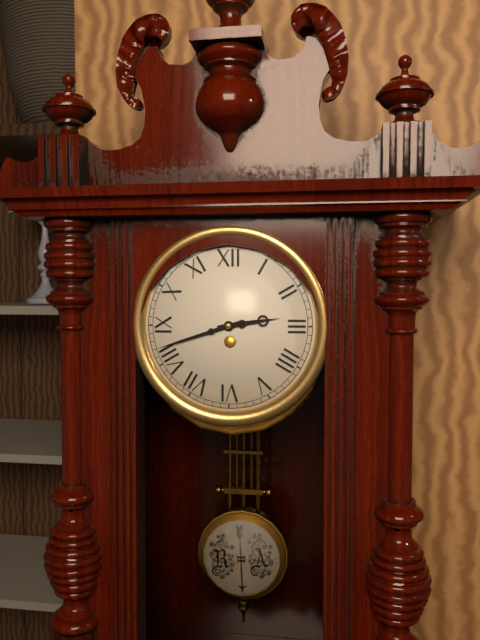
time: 2:42
